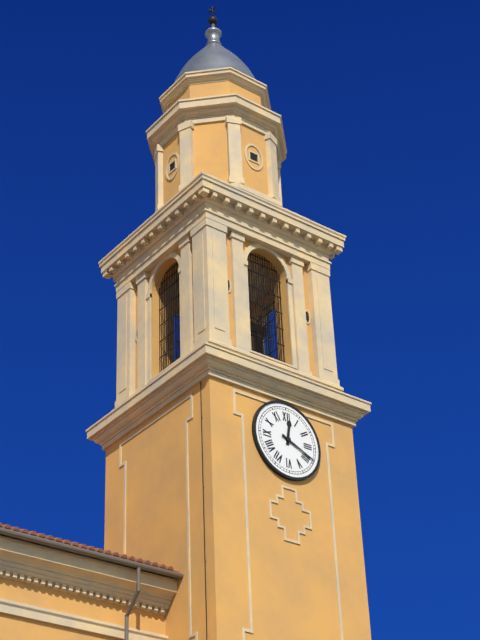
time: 12:19
